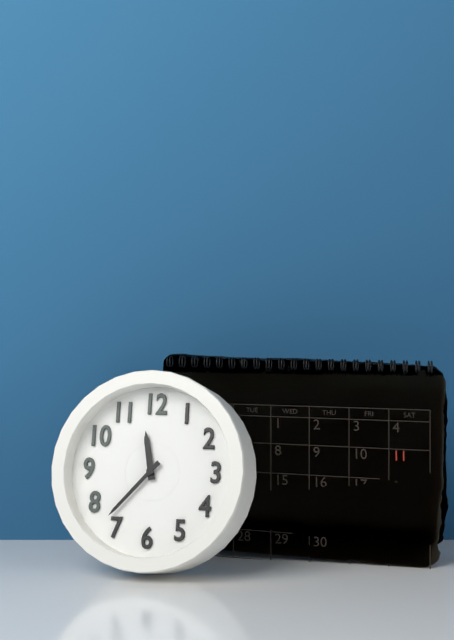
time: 11:37
